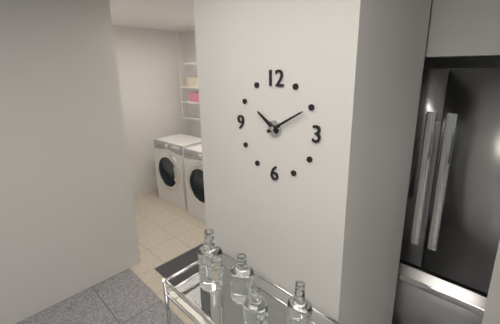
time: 10:10
